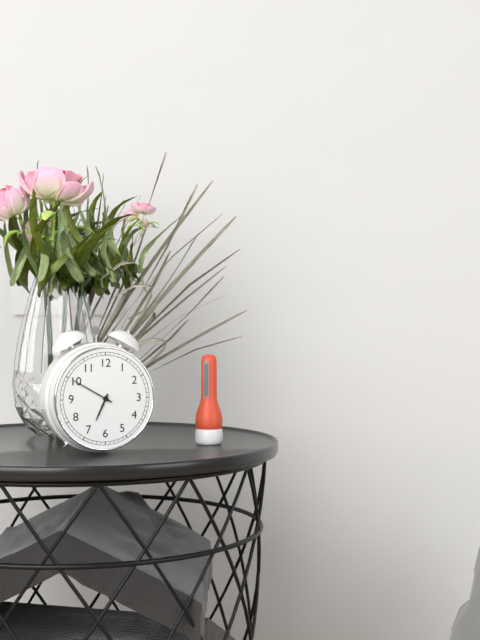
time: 6:50
